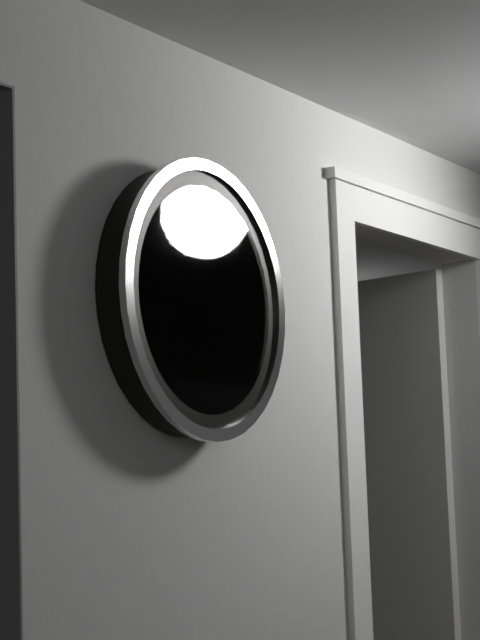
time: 12:36
